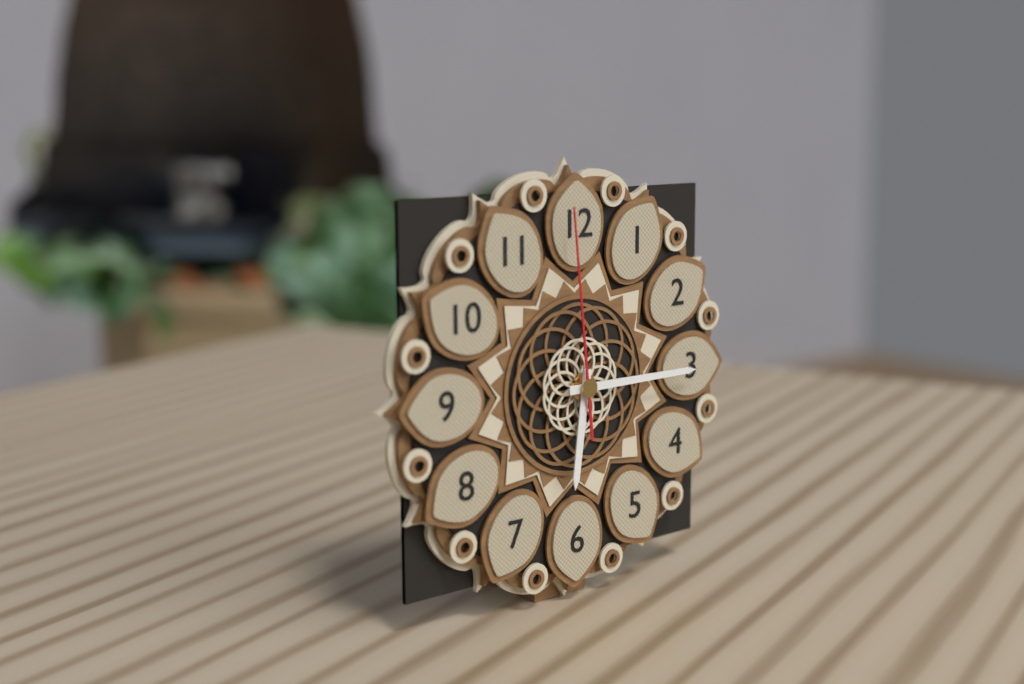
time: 6:15:59
